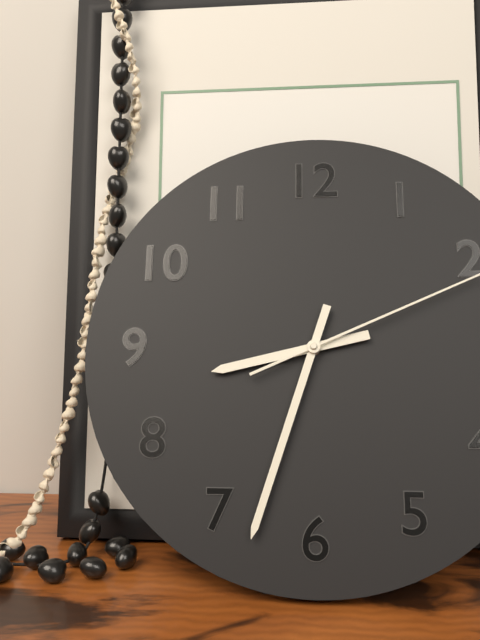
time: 8:33
